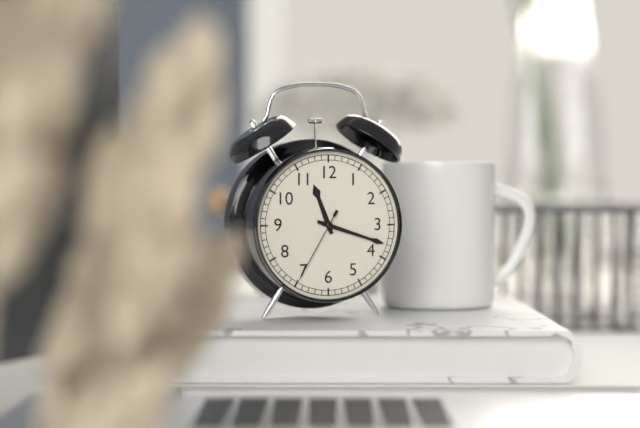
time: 11:18:35
